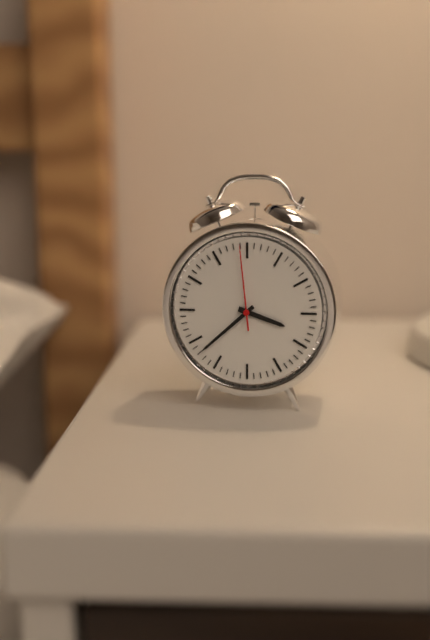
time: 3:38:59
